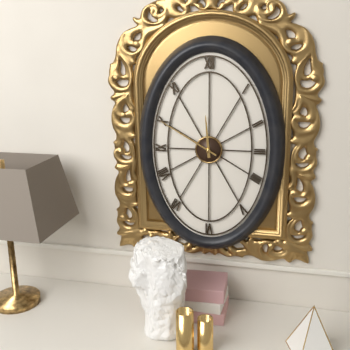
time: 11:50
